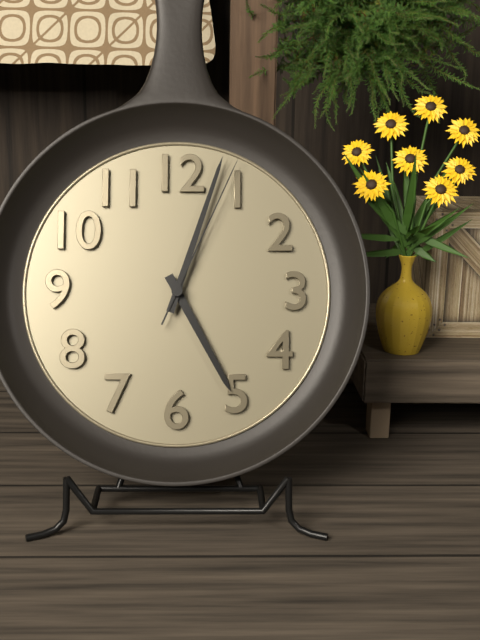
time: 5:03:04
